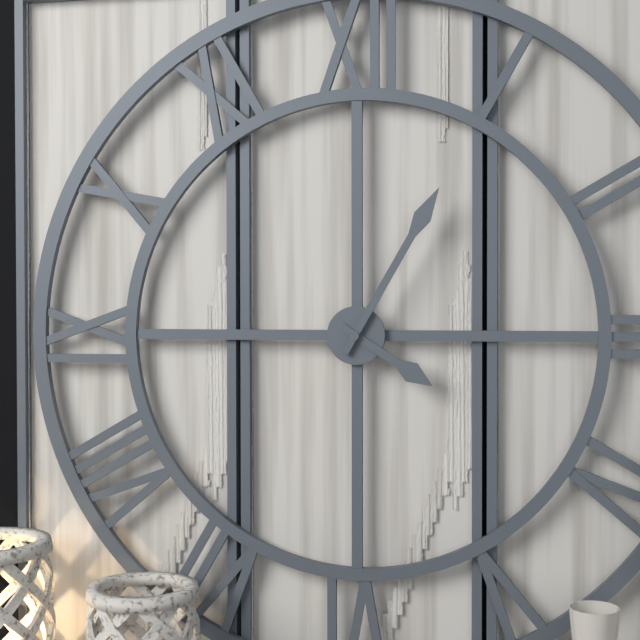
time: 4:05
